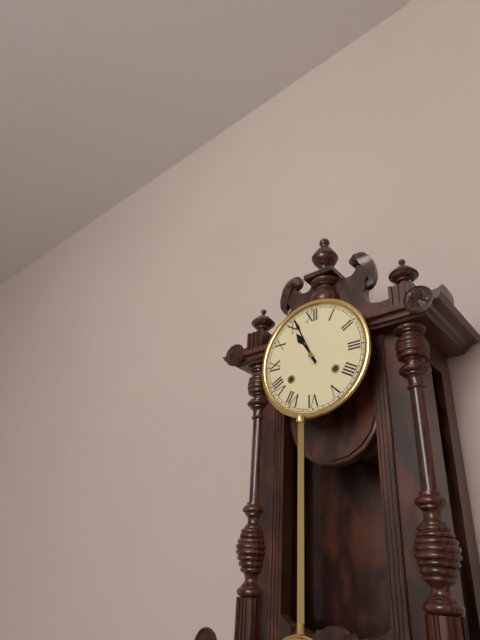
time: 10:56
